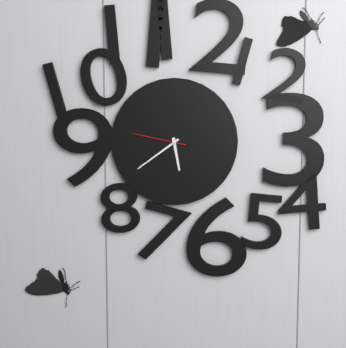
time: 5:39:47
